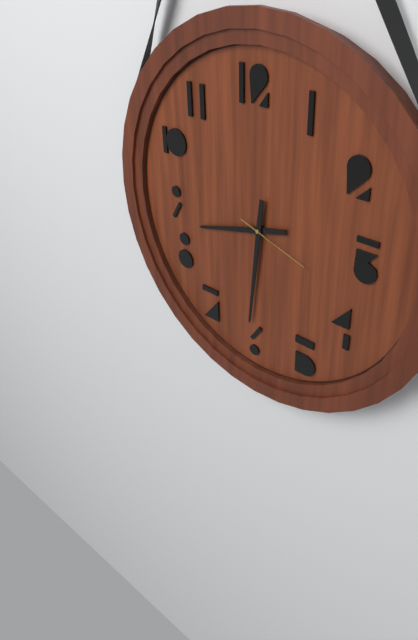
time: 8:31:18
